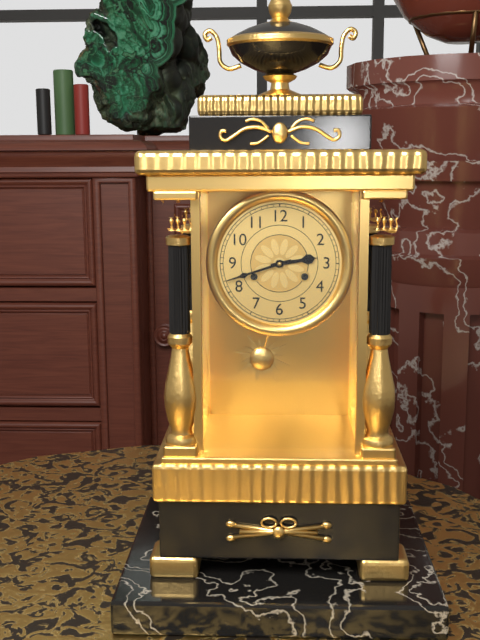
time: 2:42
